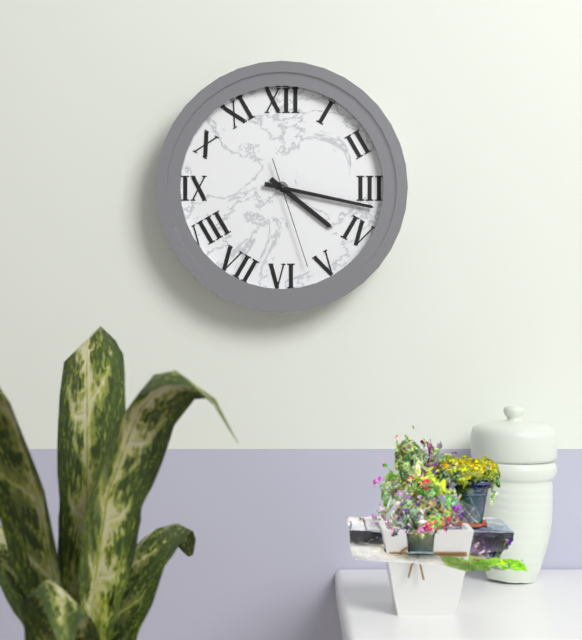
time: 4:17:27
